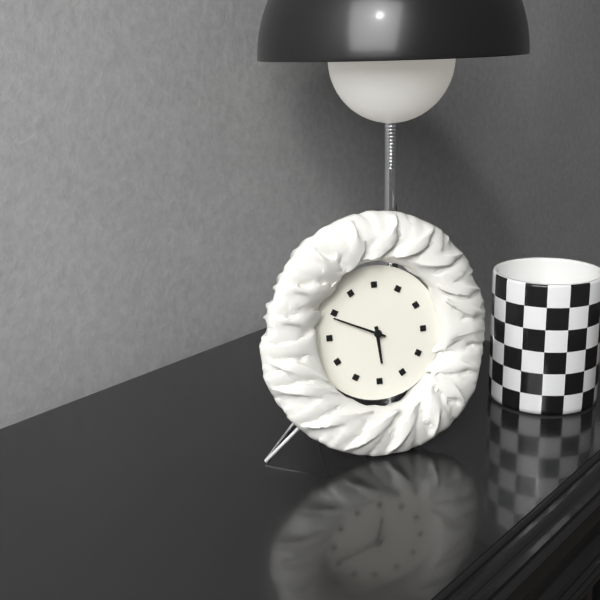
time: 5:49
